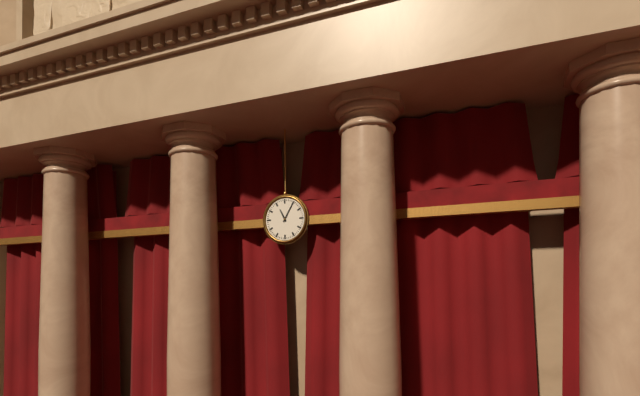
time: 11:05
